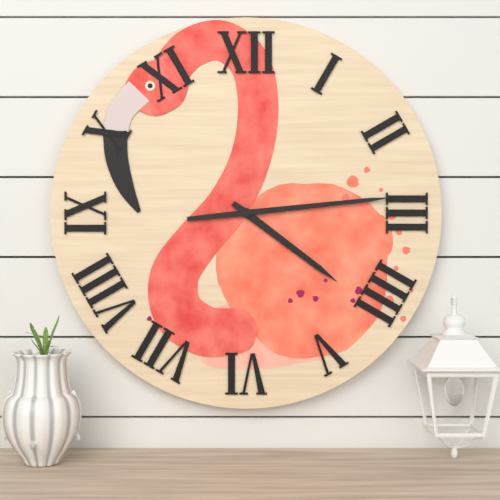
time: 4:14
